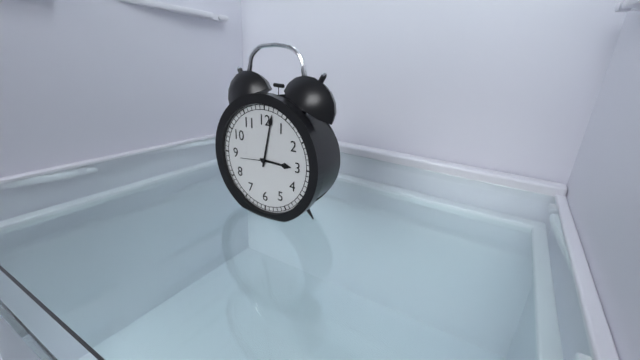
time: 3:02
